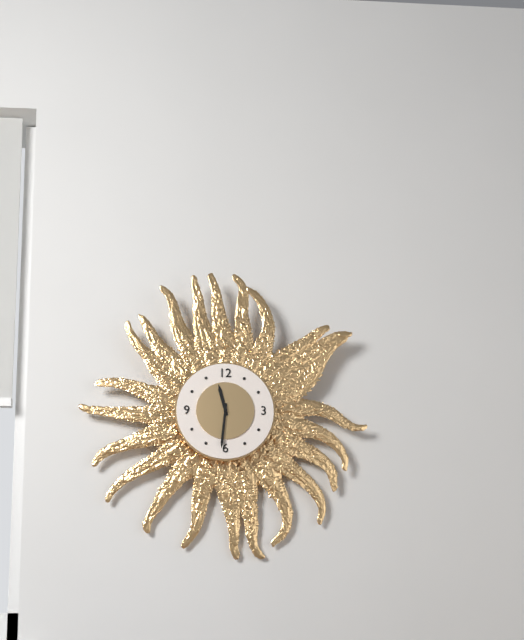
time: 11:31
